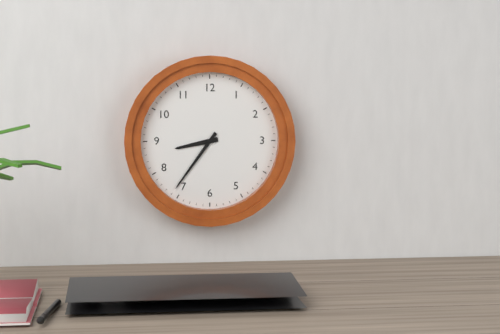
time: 8:36
